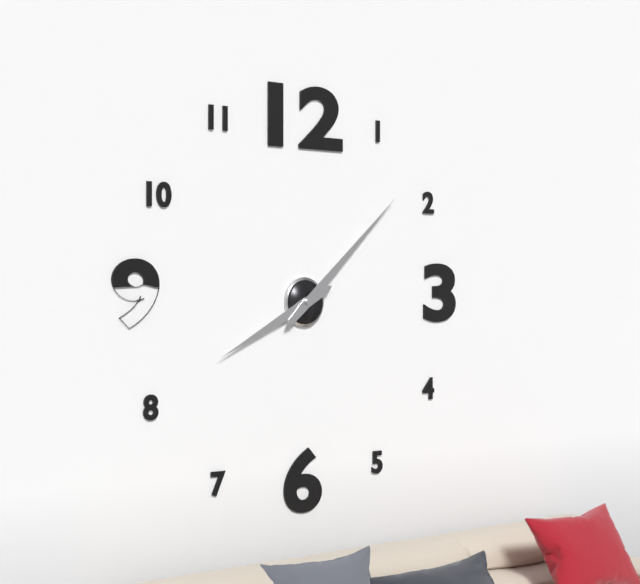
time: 8:08
